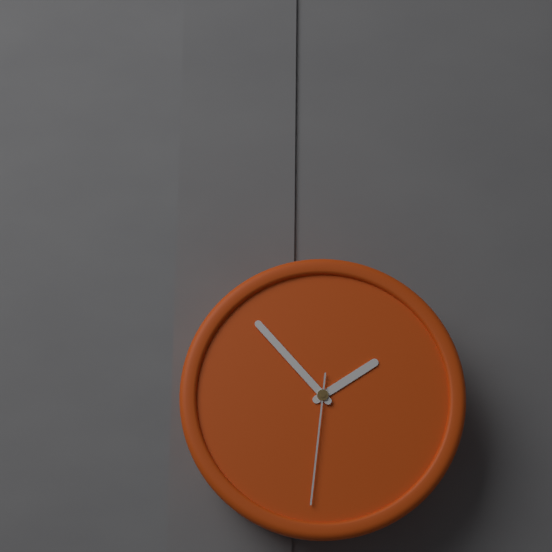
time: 1:53:31
